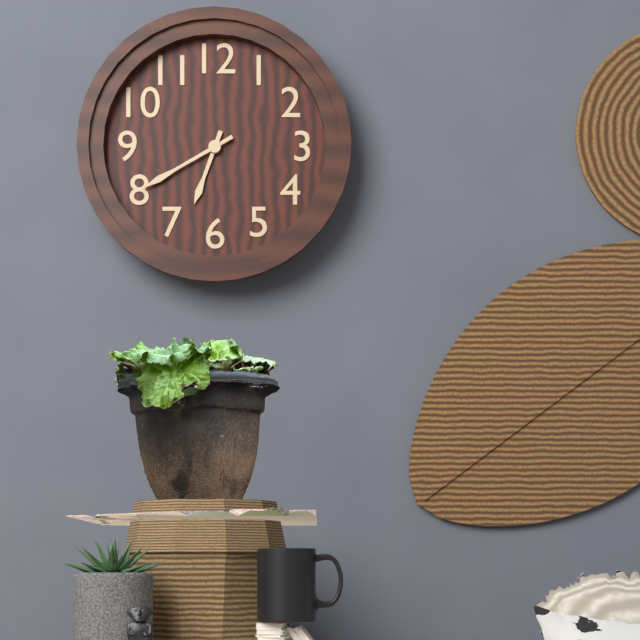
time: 6:40
